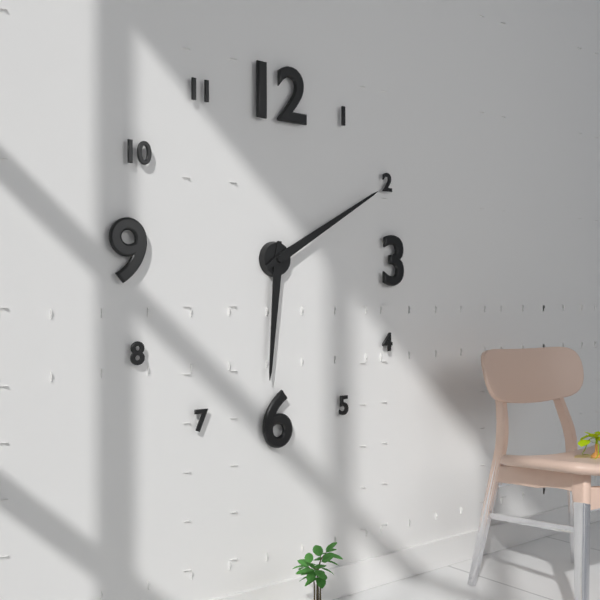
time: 6:10
